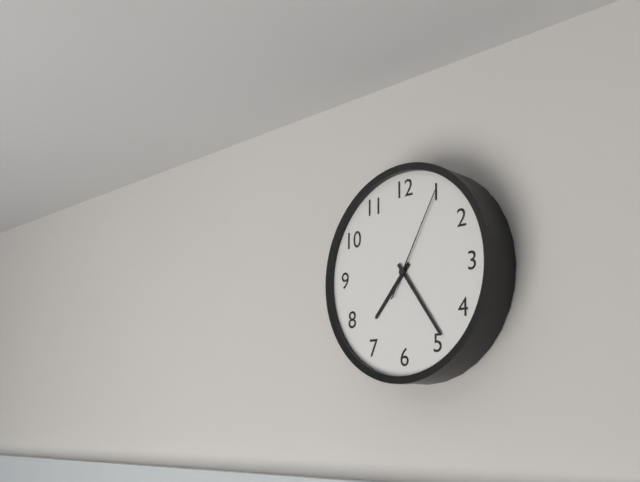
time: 7:24:05
